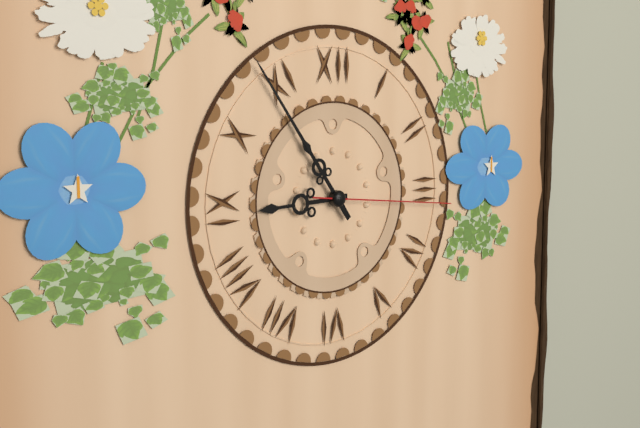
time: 8:54:16
